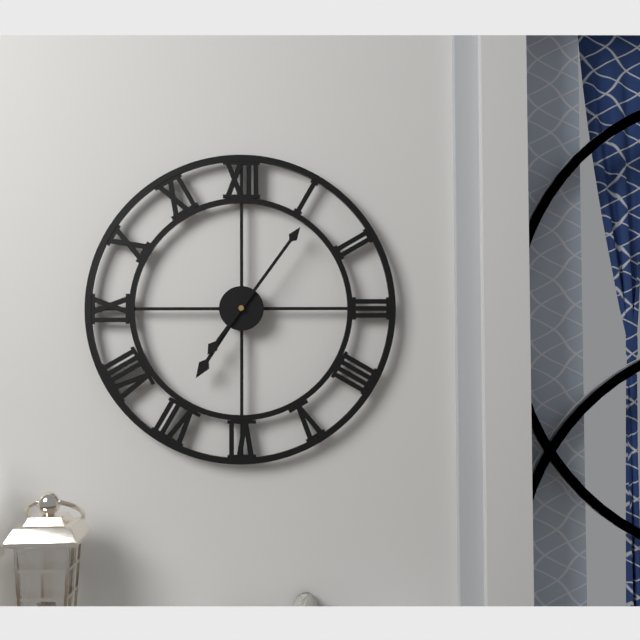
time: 7:06
